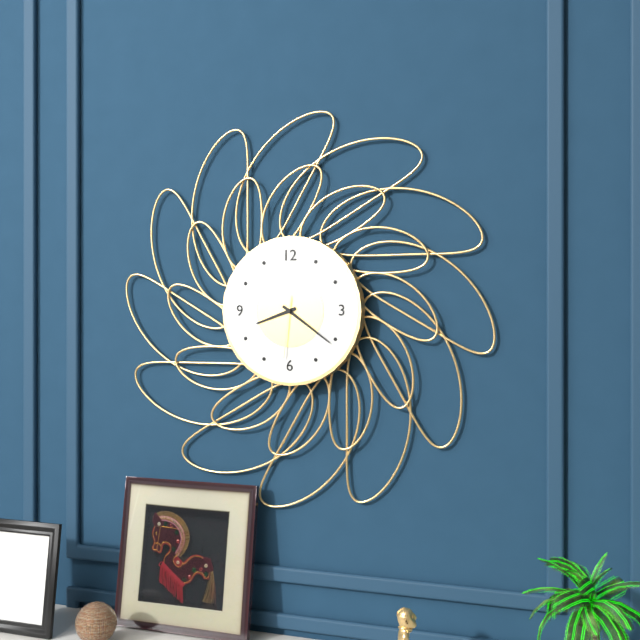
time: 8:21:31
